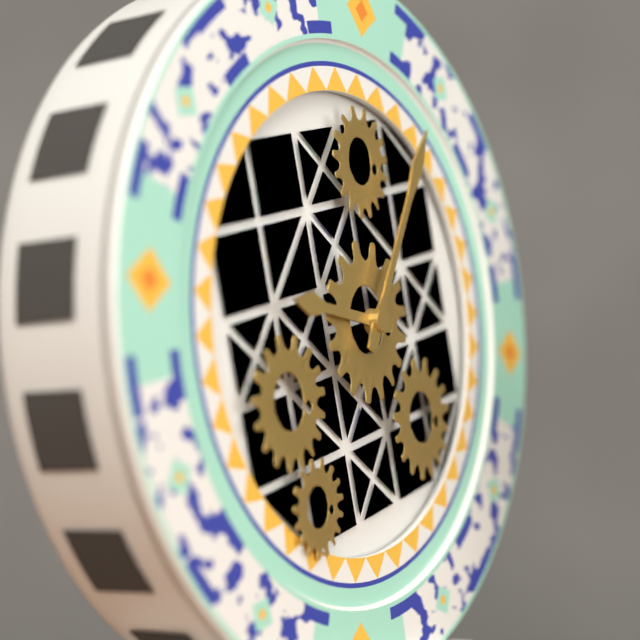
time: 9:04
